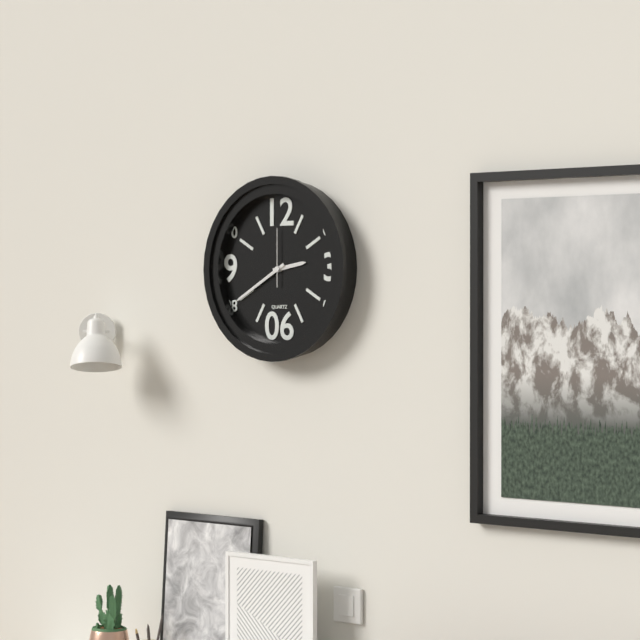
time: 2:40:00
